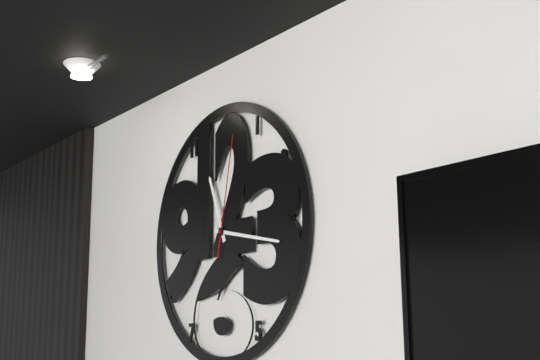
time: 11:17:02
